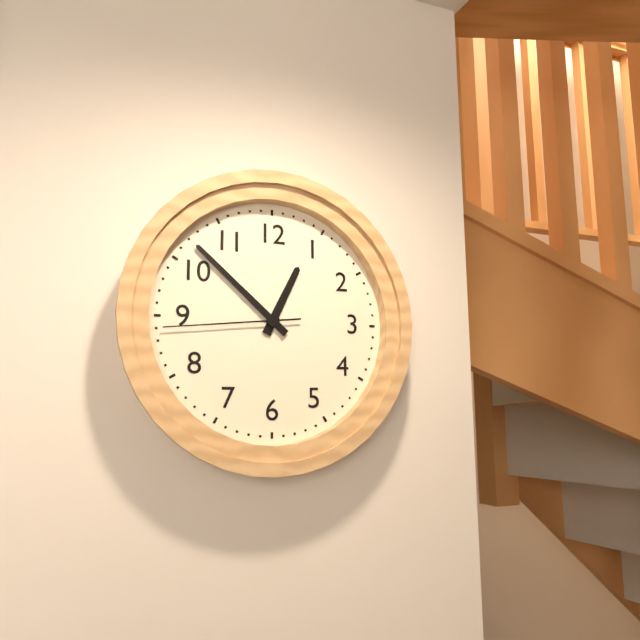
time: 12:52:44
